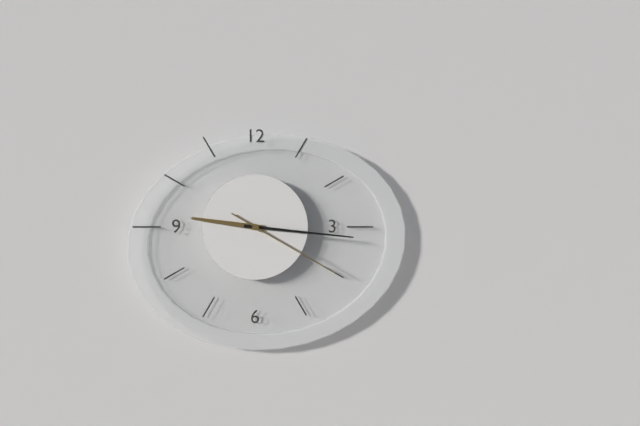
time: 9:16:20
